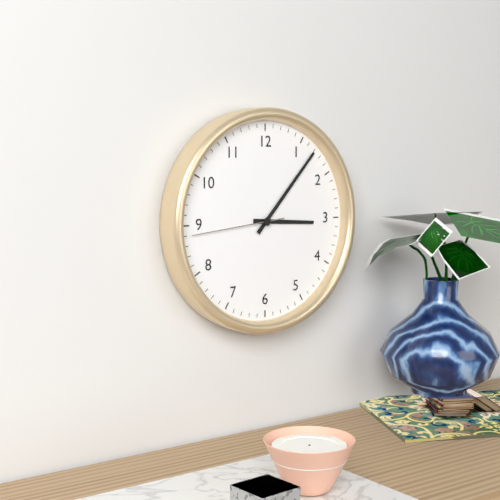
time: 3:07:44
